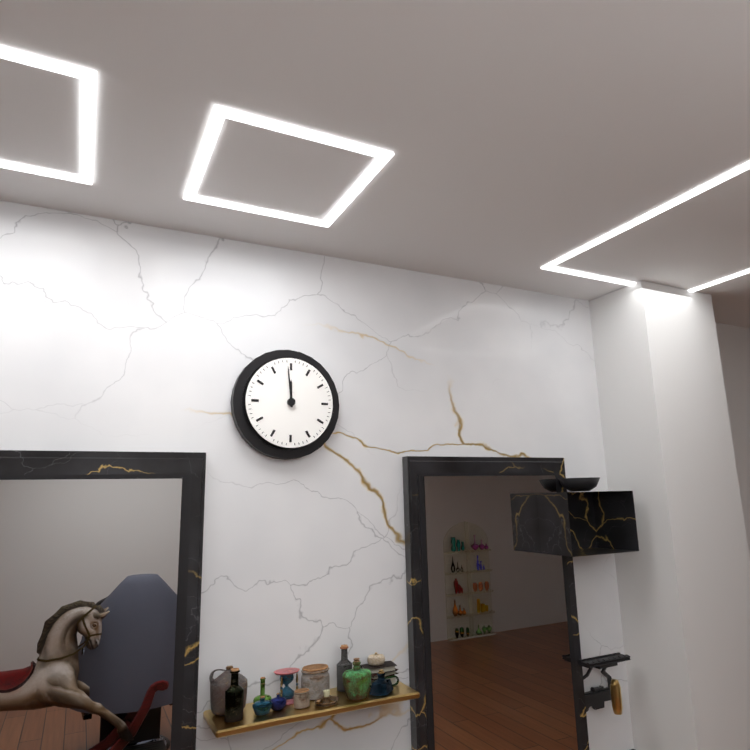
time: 11:59
